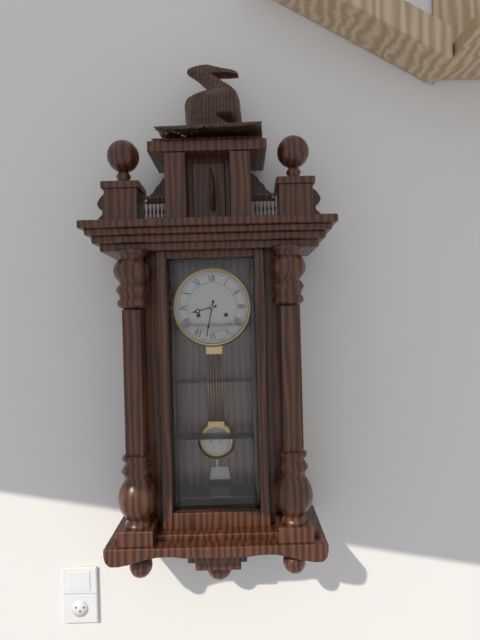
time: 8:32
